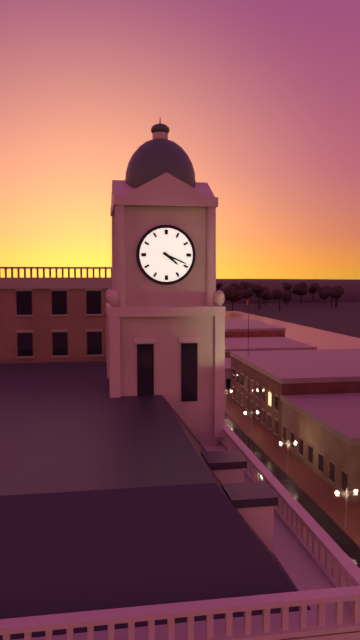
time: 4:19
